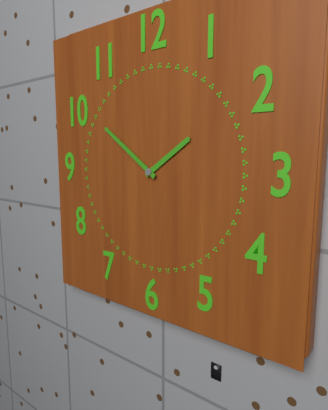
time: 1:51
